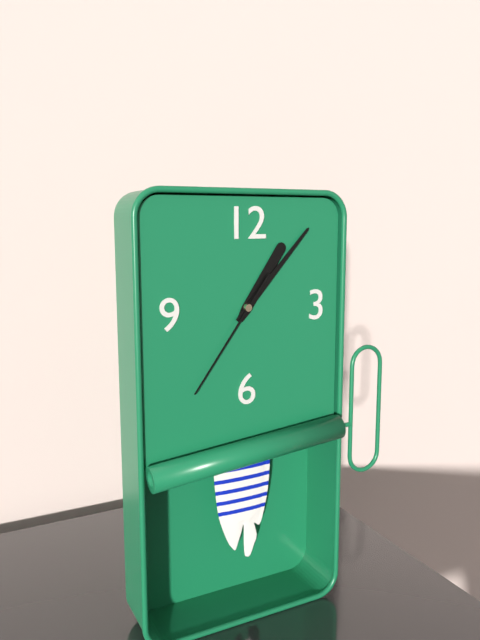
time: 1:07:36
